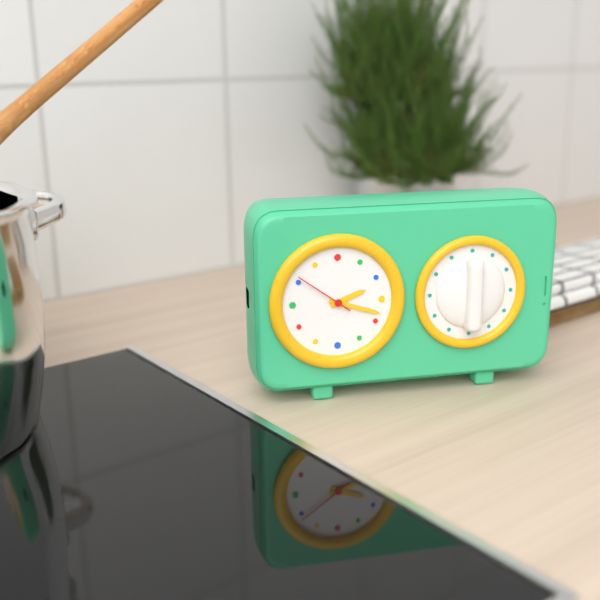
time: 2:18:51
